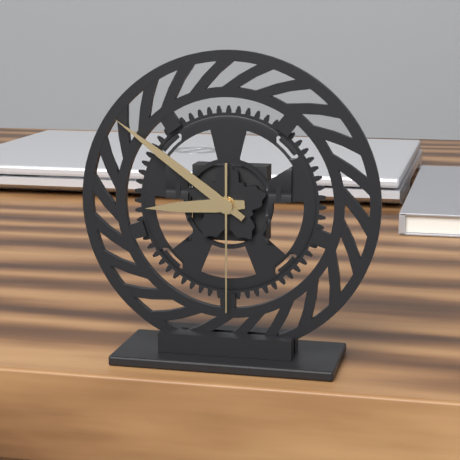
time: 8:51:30
